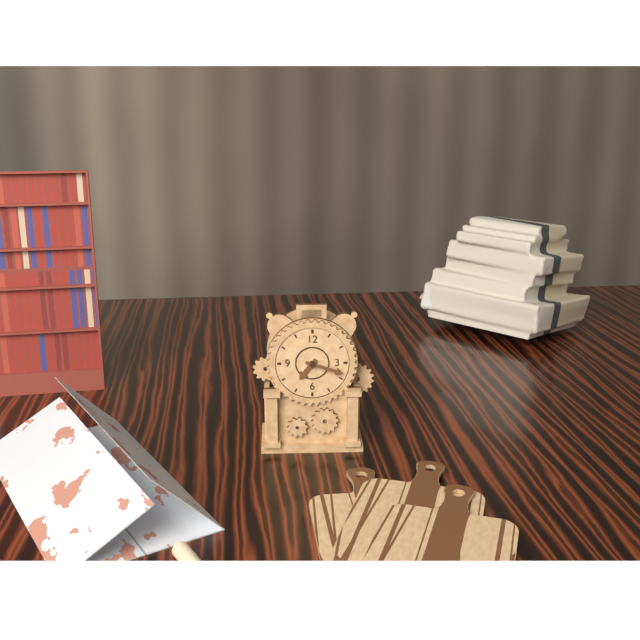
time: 7:18
